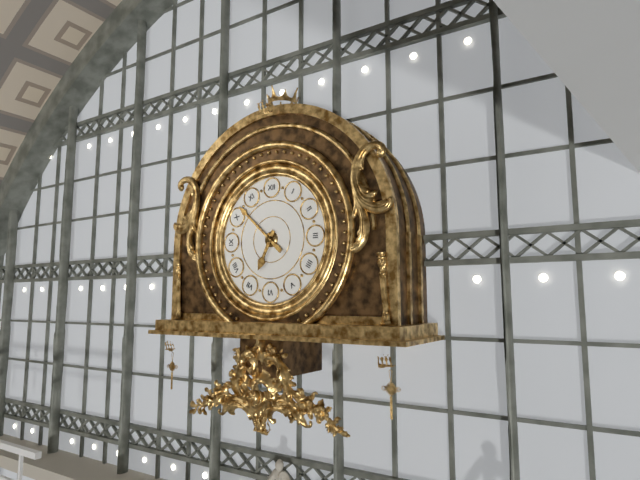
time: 6:52
